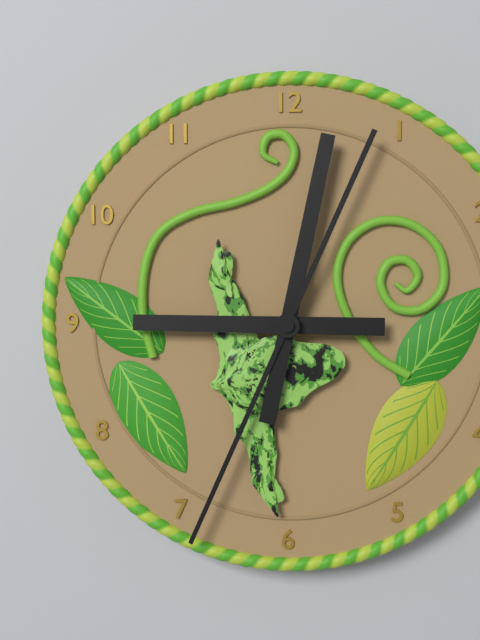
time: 9:02:34
